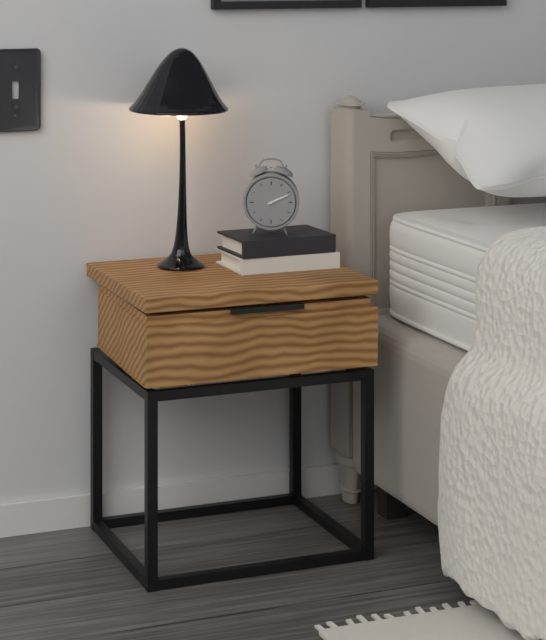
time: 2:11
